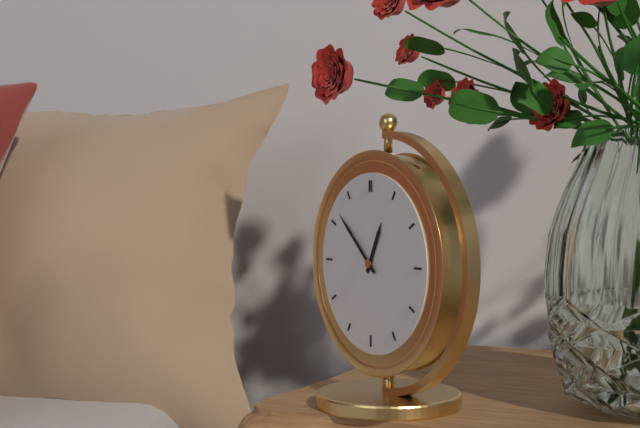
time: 12:52
